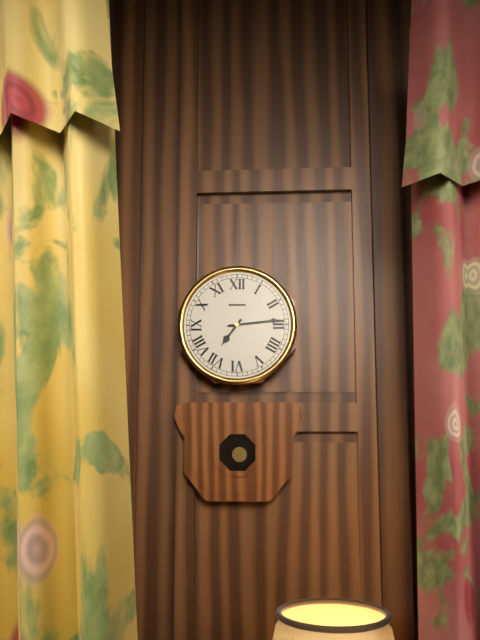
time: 7:14
